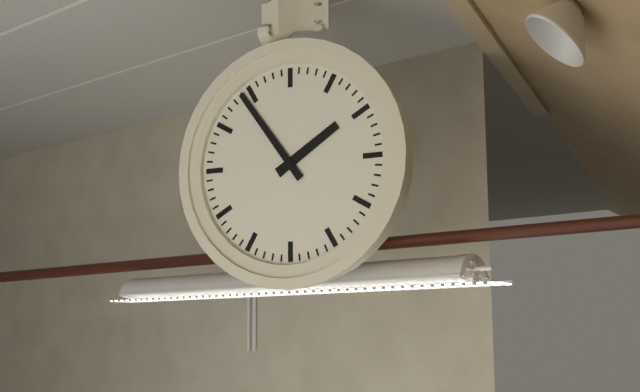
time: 1:54
